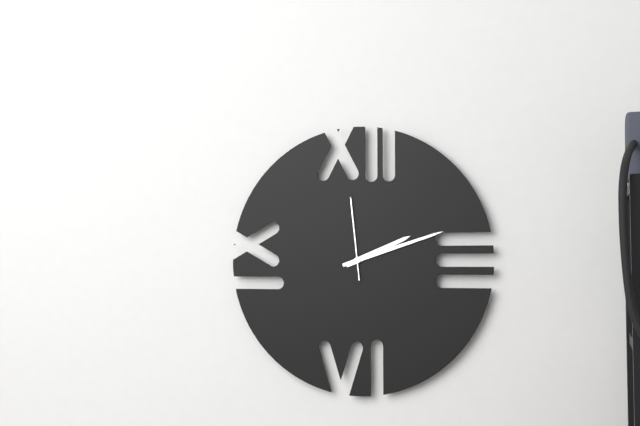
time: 2:12:59
